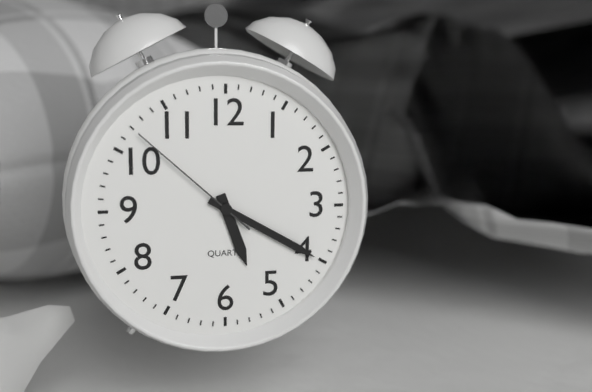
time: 5:20:52
